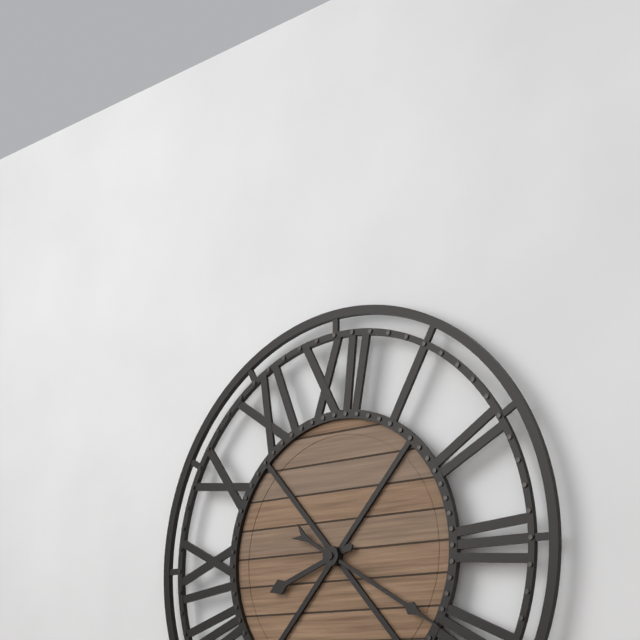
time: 8:20
